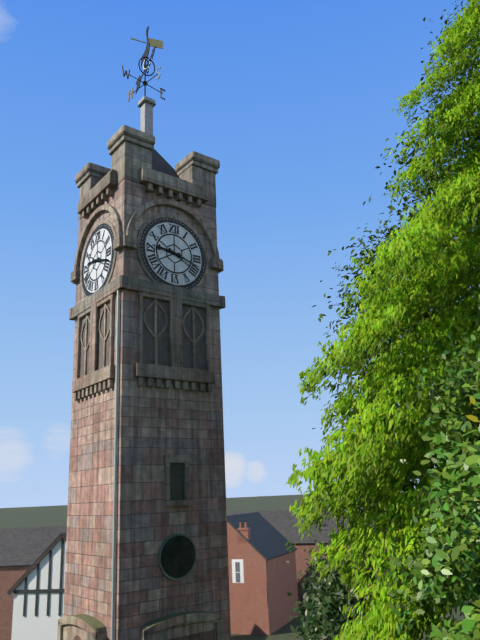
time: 9:18
